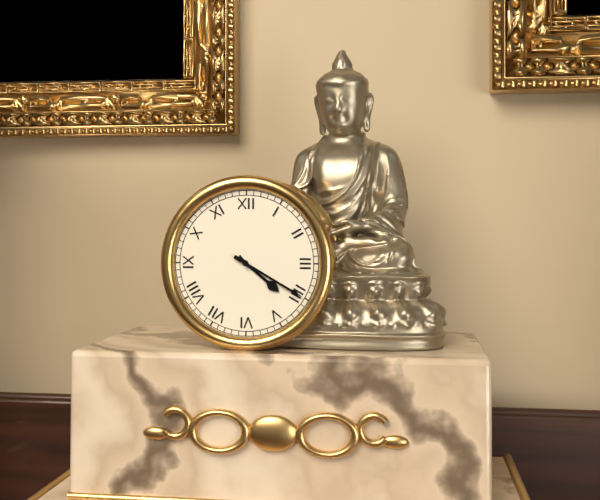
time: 4:20
